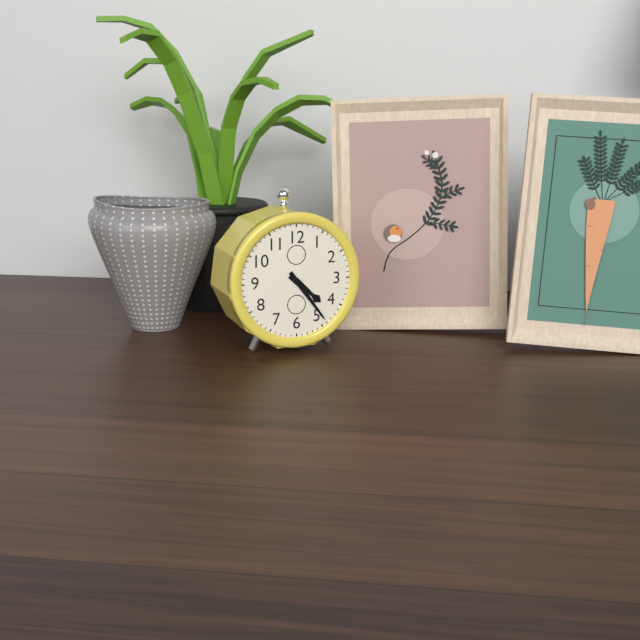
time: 4:24
